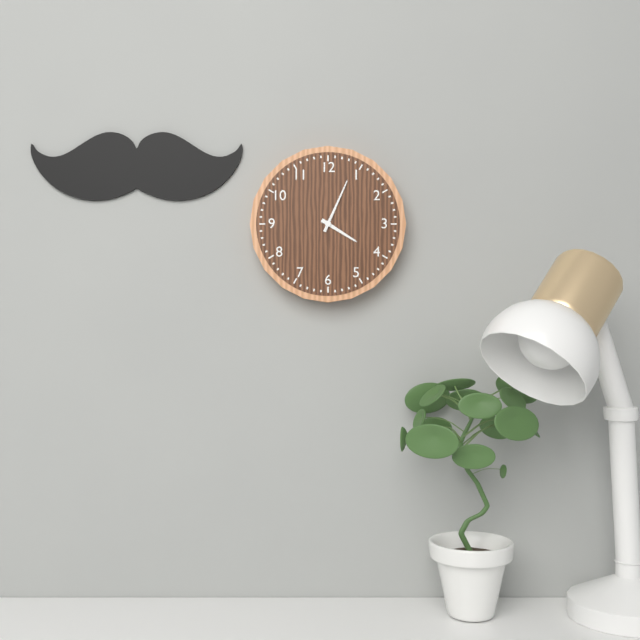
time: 4:04
